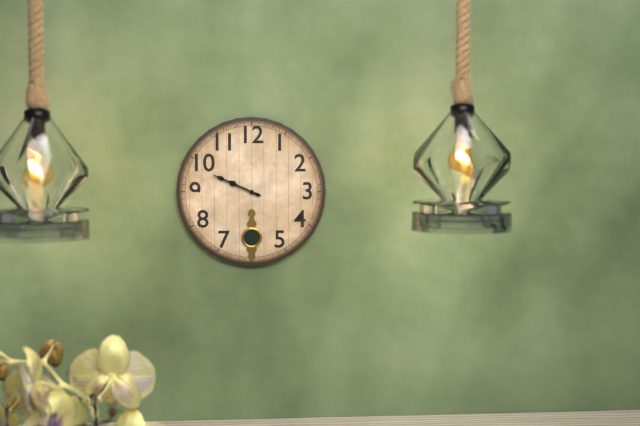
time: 9:49
